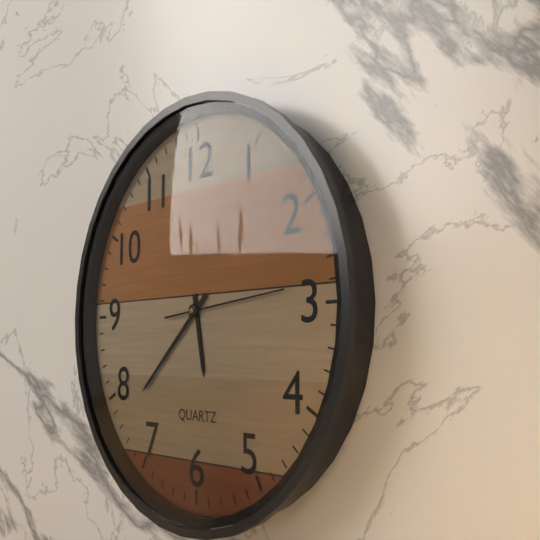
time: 5:38:14
